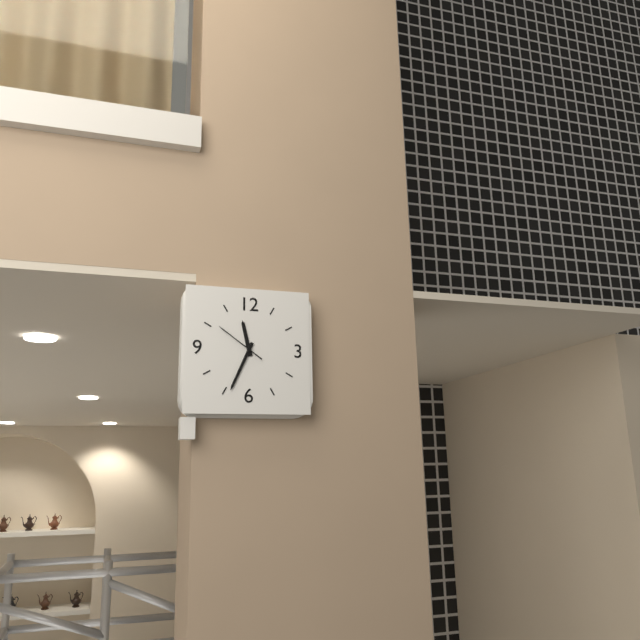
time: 11:34
